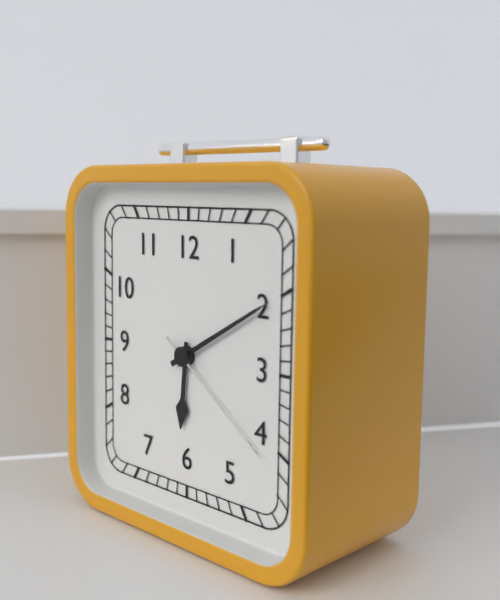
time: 6:10:21
